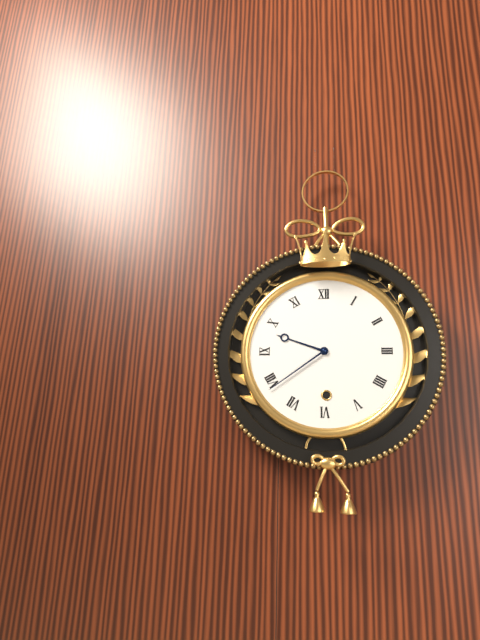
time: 9:39
